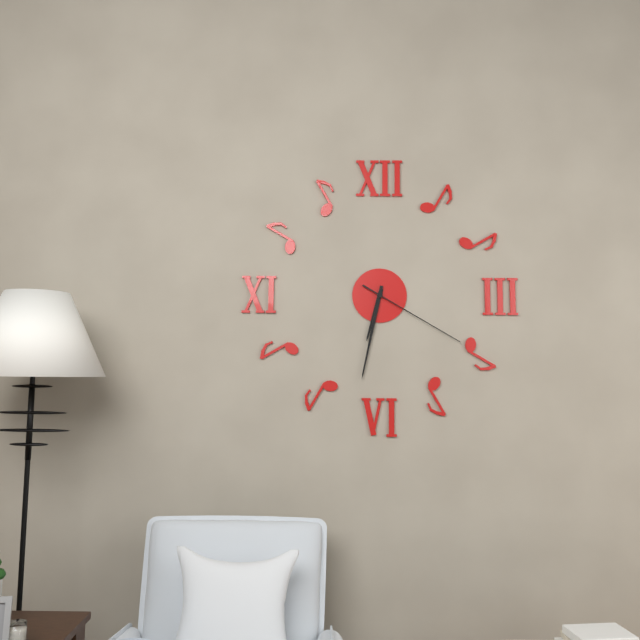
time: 6:32:20
